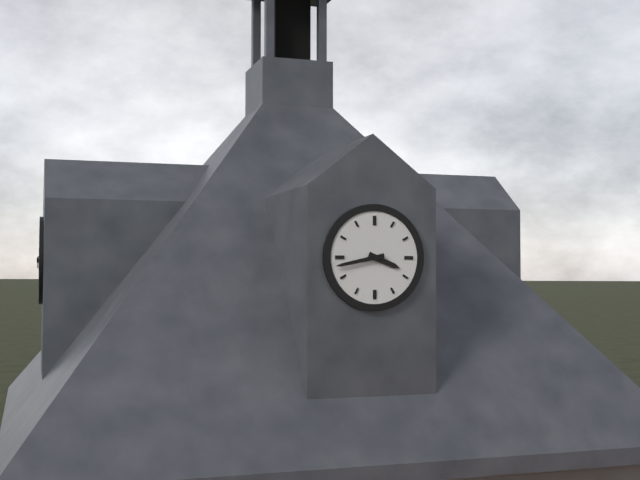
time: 3:43
